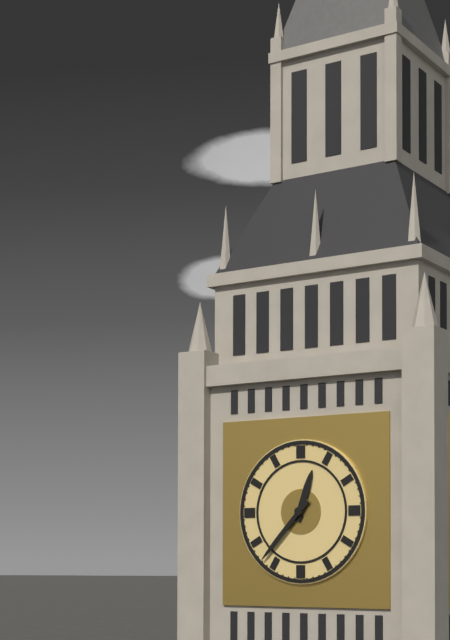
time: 12:37
